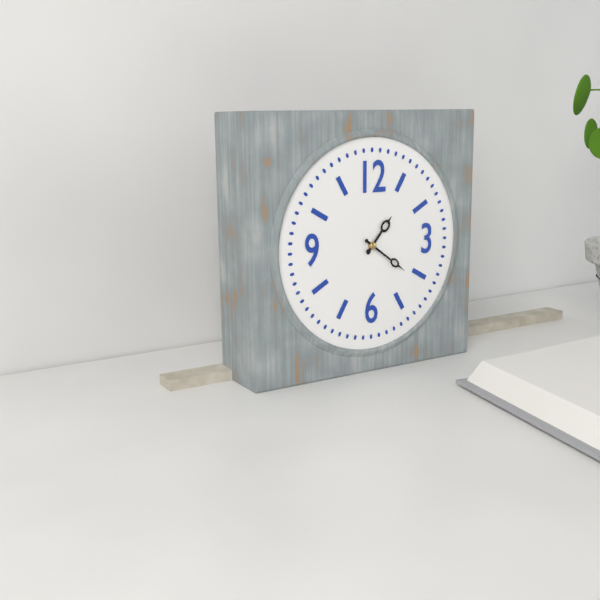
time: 1:21
